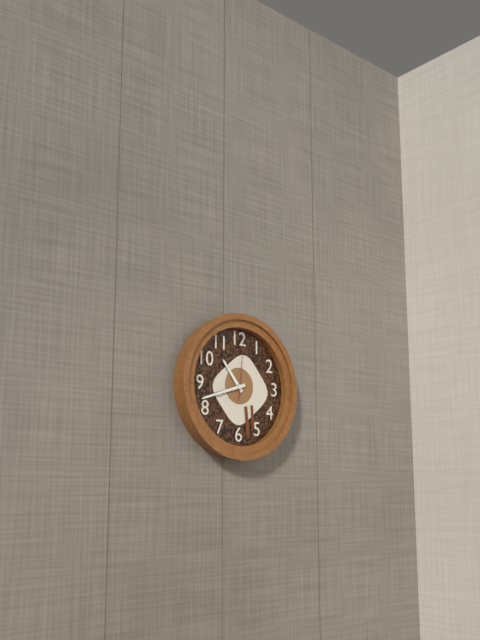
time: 10:42:01
